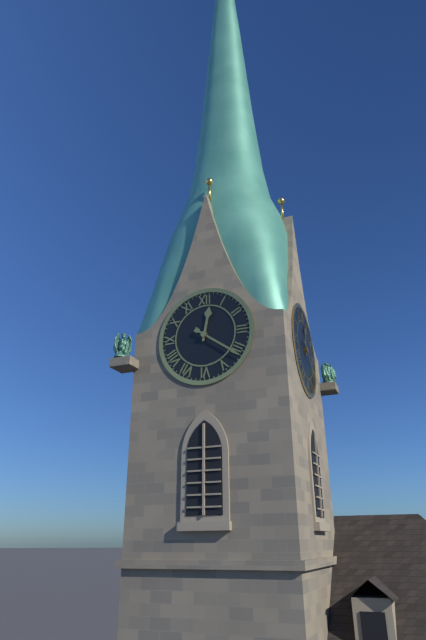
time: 12:21
